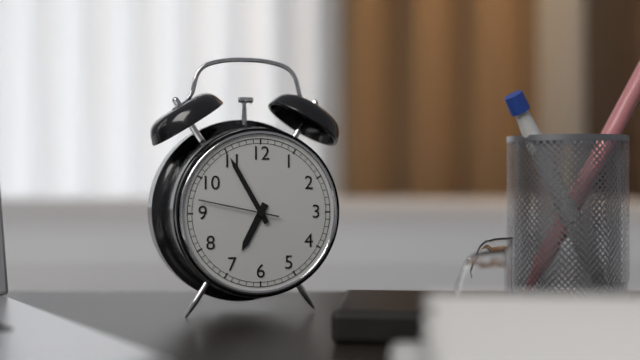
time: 6:55:47
